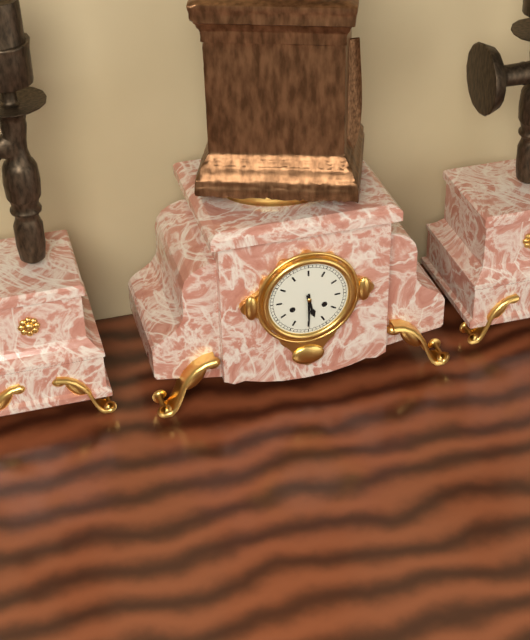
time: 5:30
